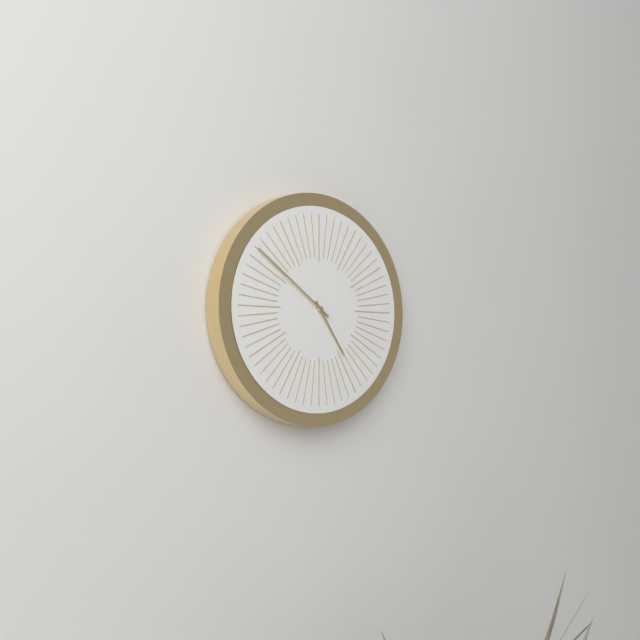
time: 4:51
